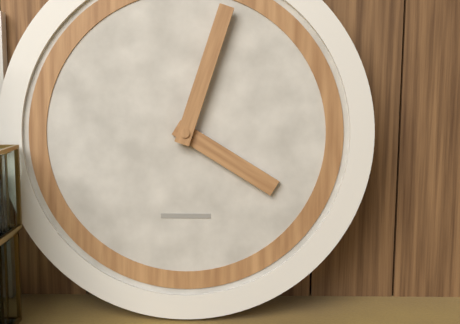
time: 4:03
